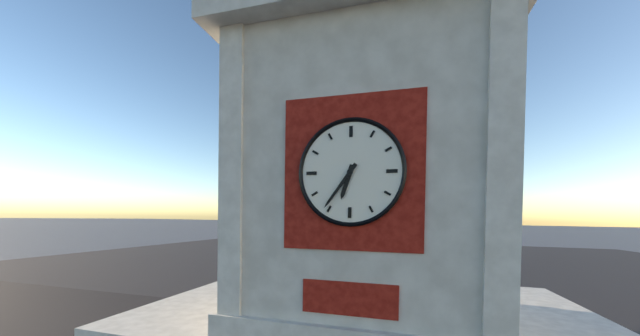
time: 6:36
